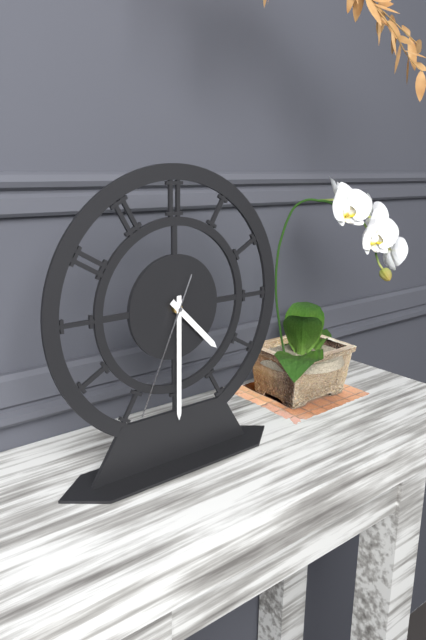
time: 4:30:34
